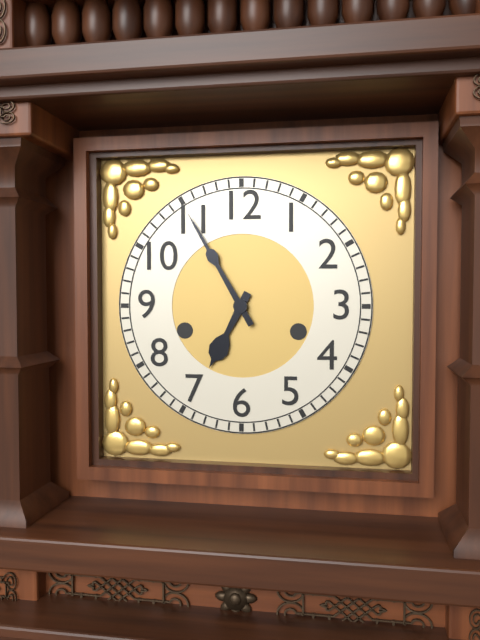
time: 6:55
